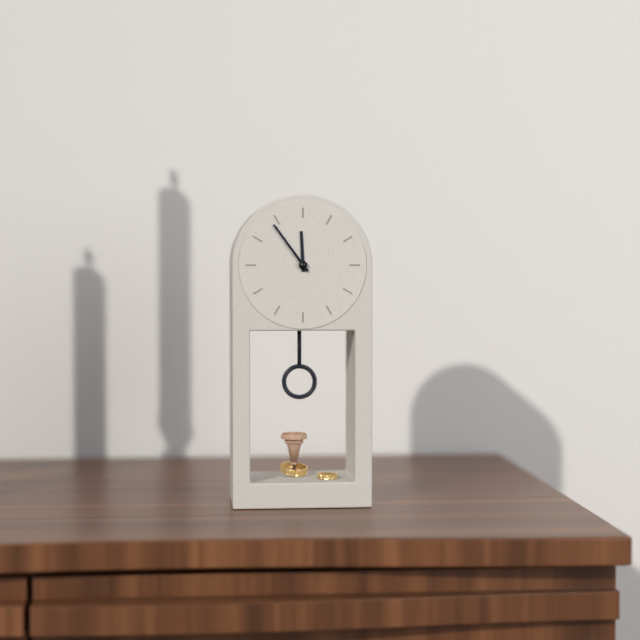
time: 11:54
